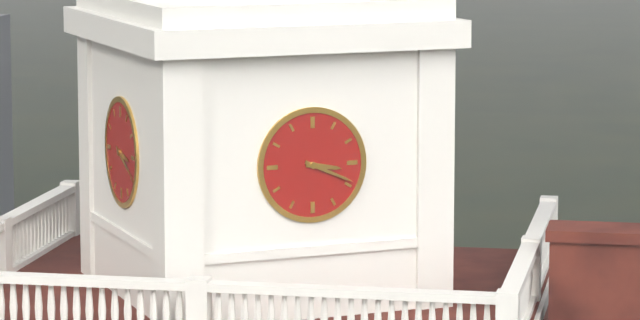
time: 3:19
